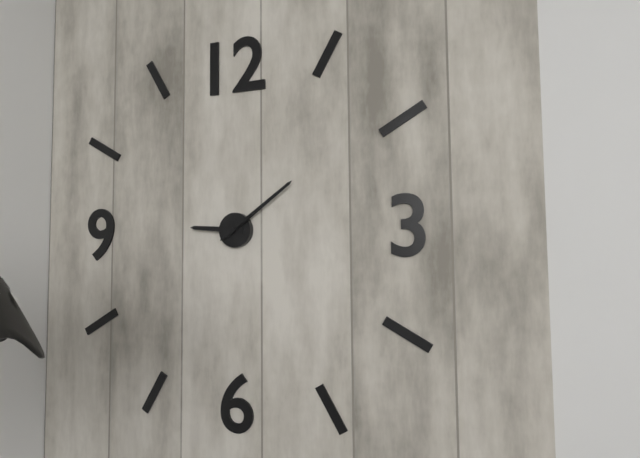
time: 9:09:09
